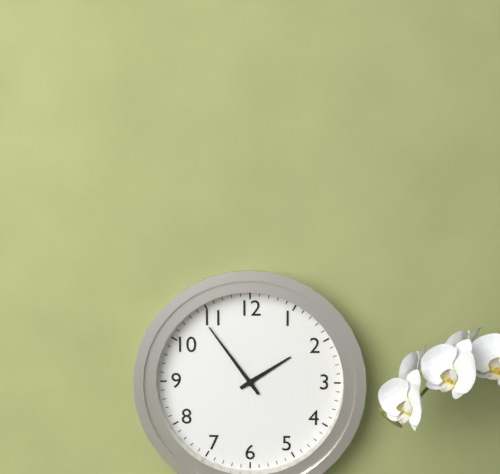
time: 1:54
